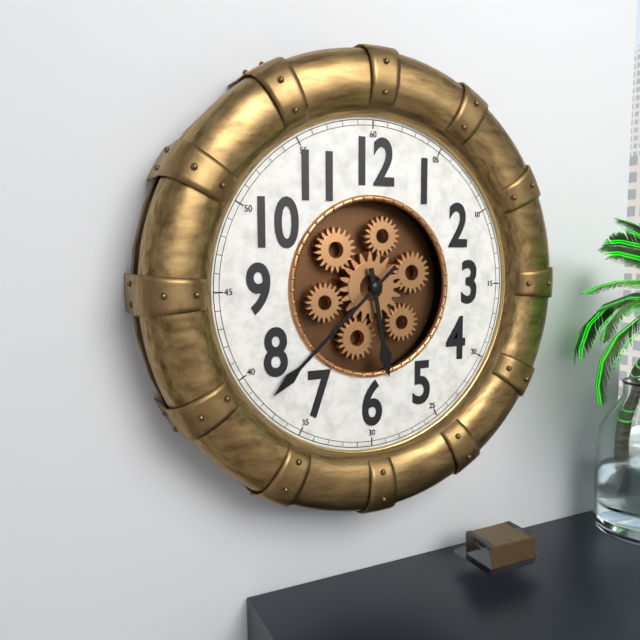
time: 5:38
